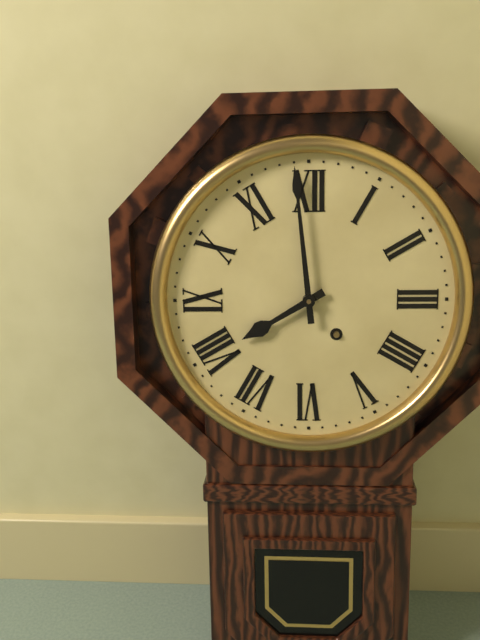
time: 7:59
